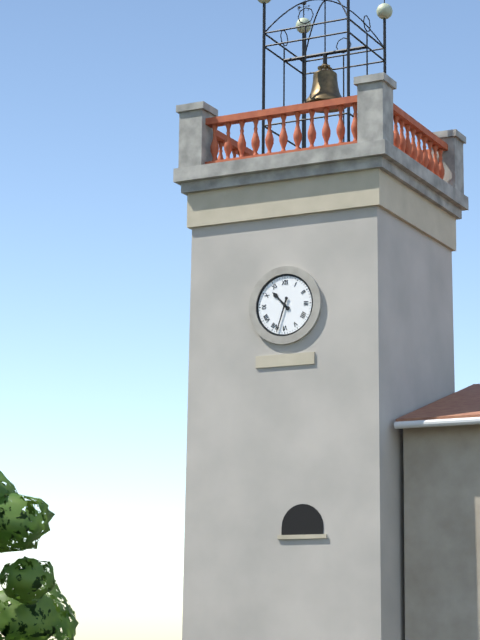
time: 10:33
